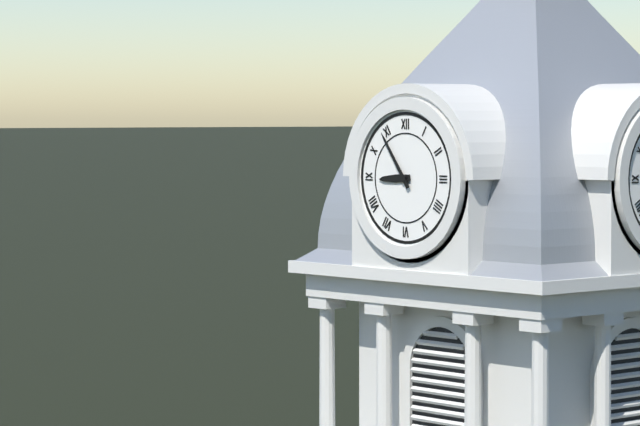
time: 8:54
